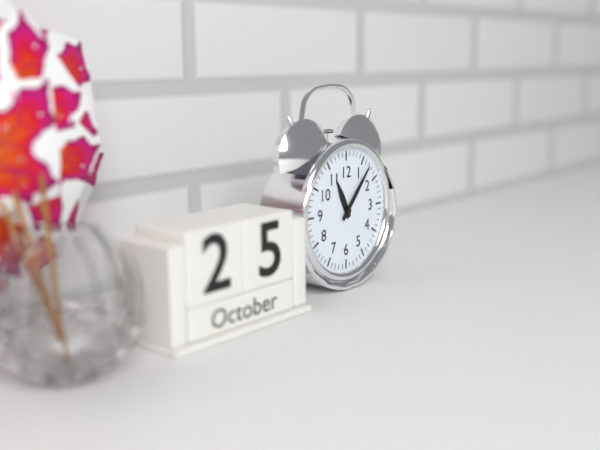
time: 11:07
